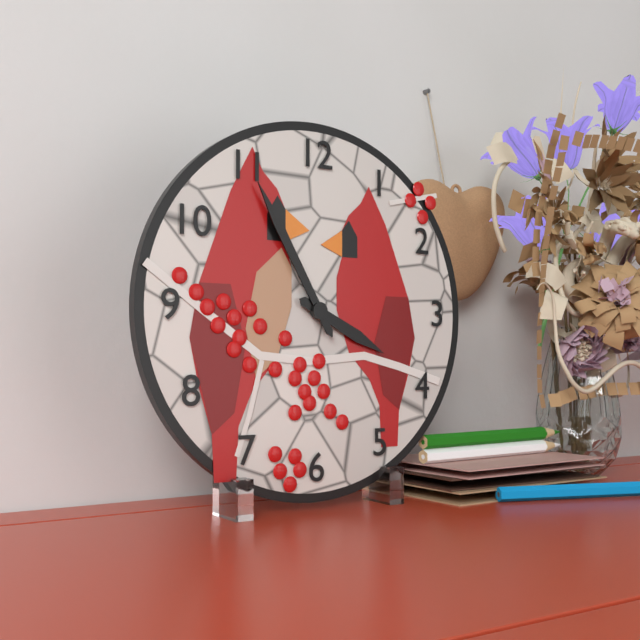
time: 3:55
